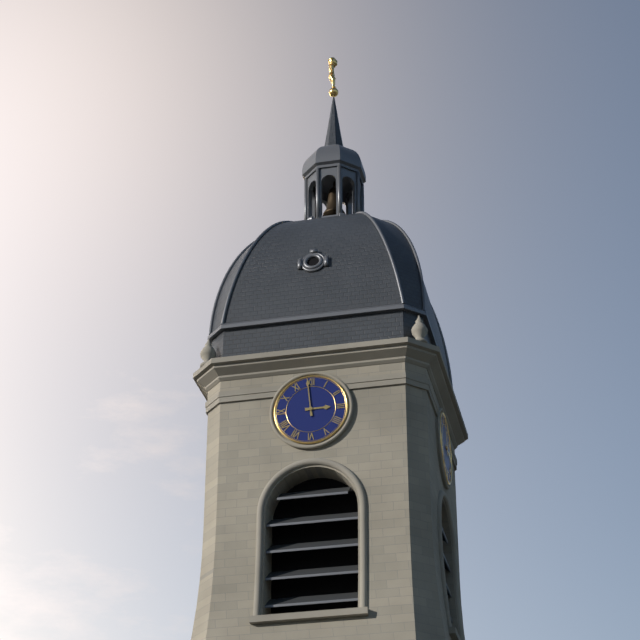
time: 2:59
